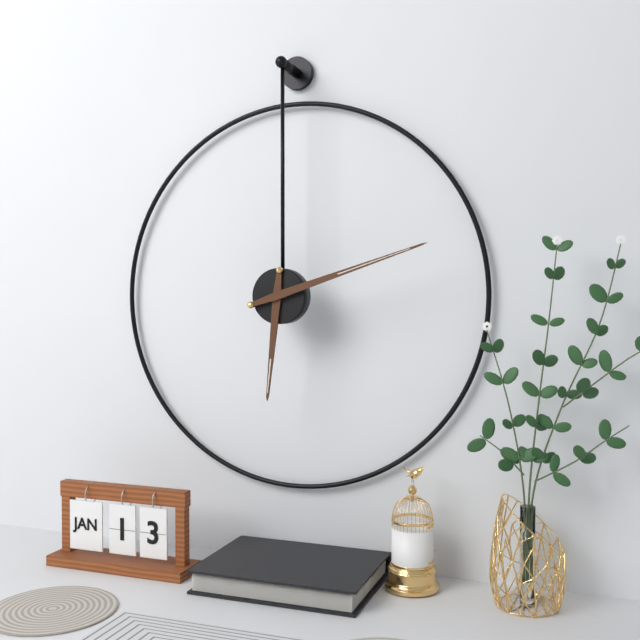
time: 6:12
